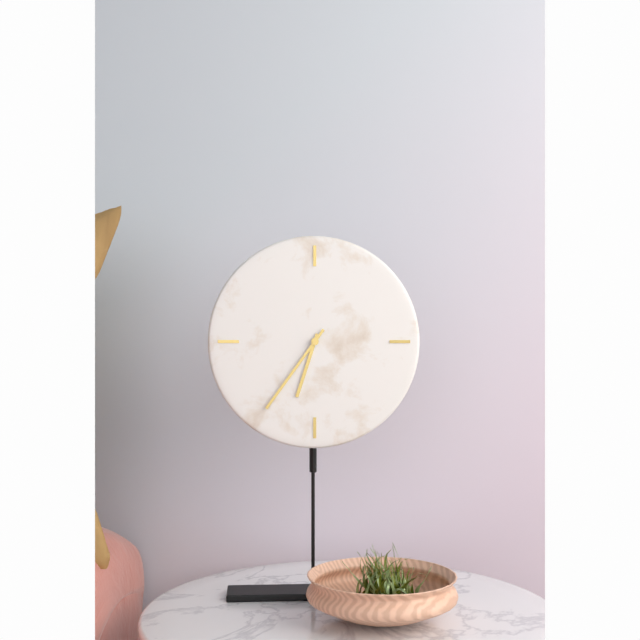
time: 6:36
